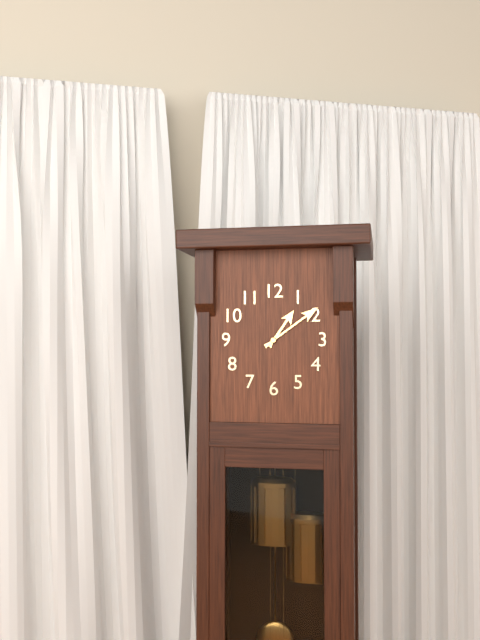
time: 1:09
